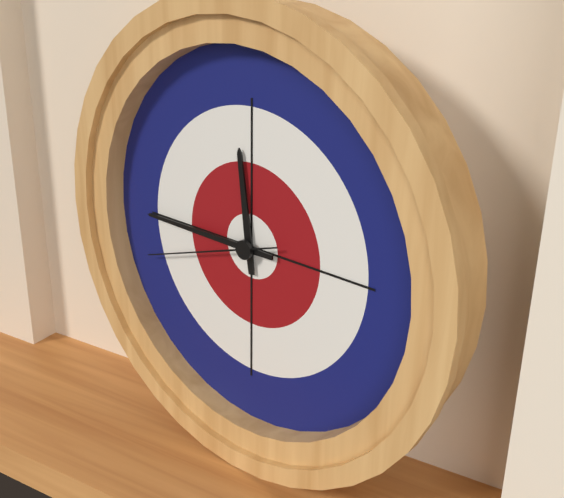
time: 11:45:42
